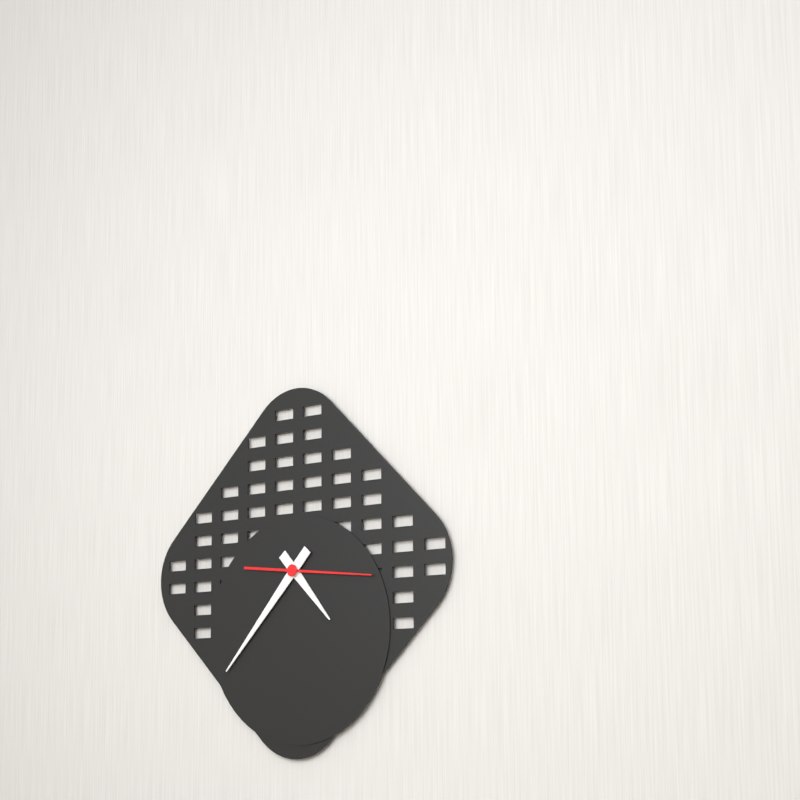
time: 4:37:16
